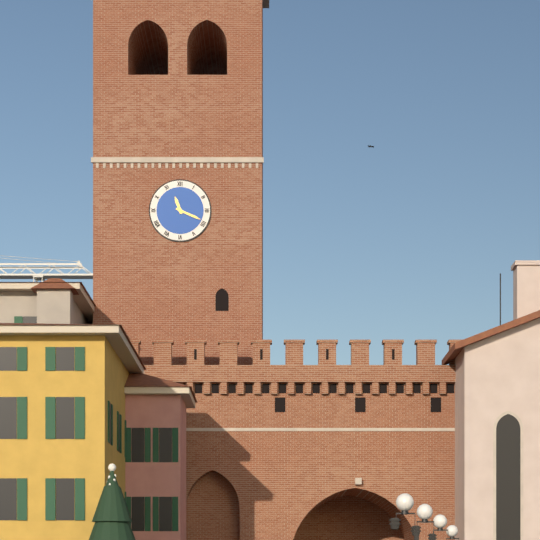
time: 11:19
